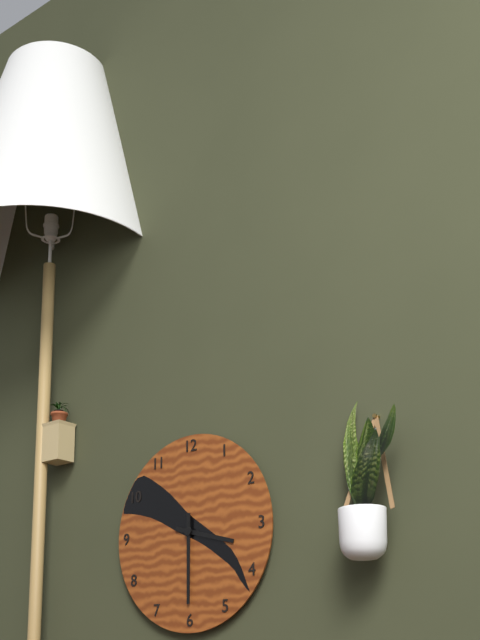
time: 3:30
